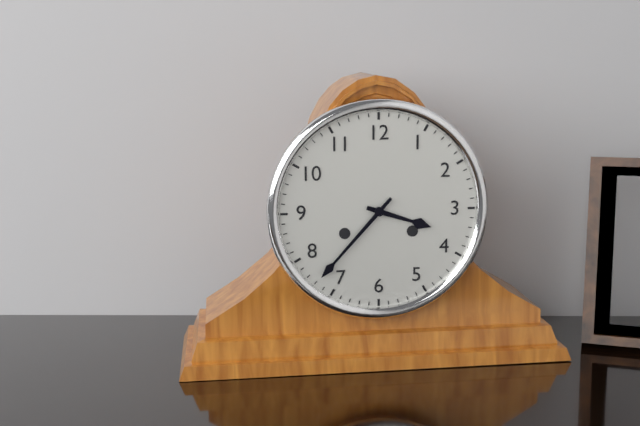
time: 3:37
